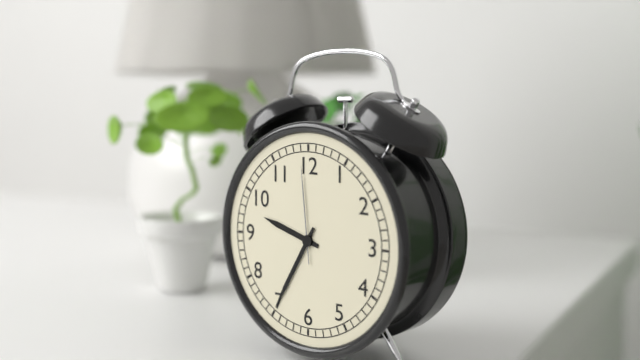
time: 9:35:59
